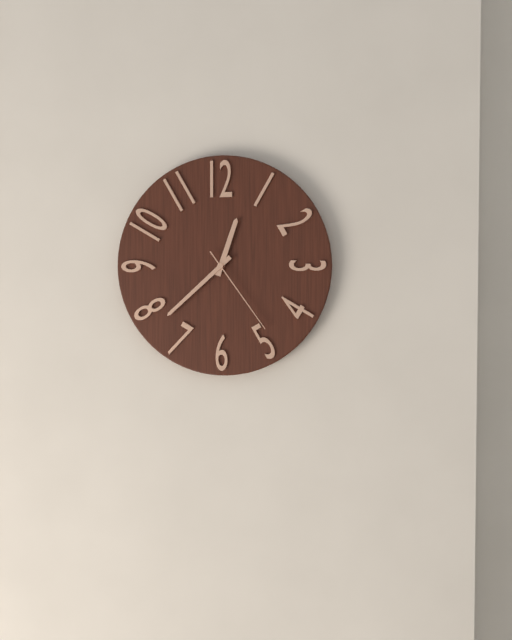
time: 12:38:24
